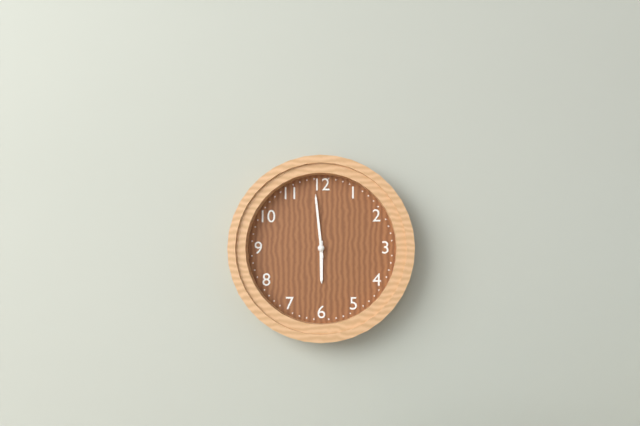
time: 5:59
